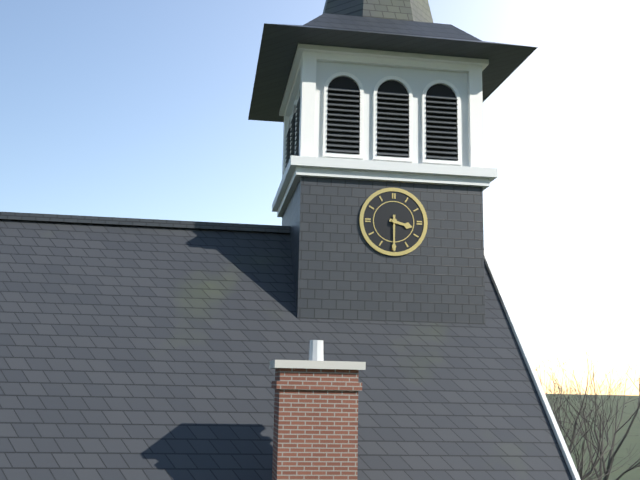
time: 3:30
